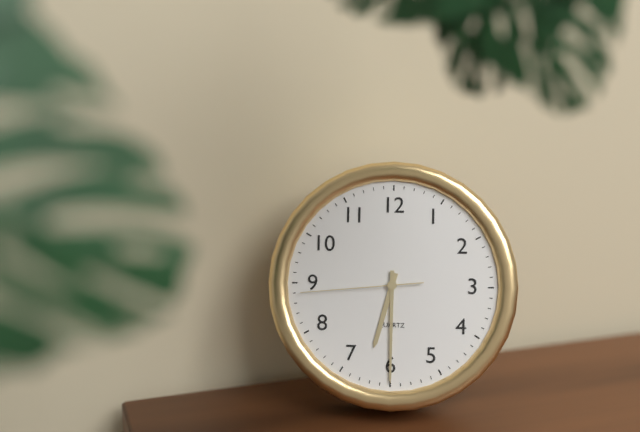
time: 6:30:44
